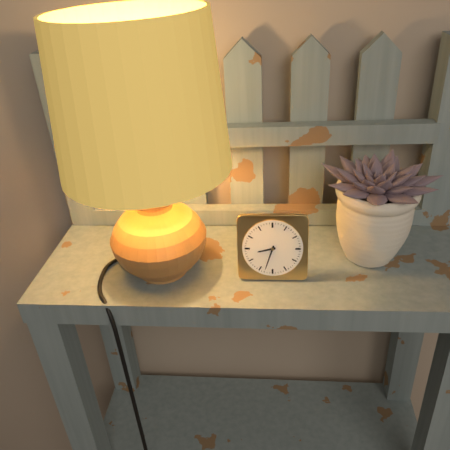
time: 8:33
